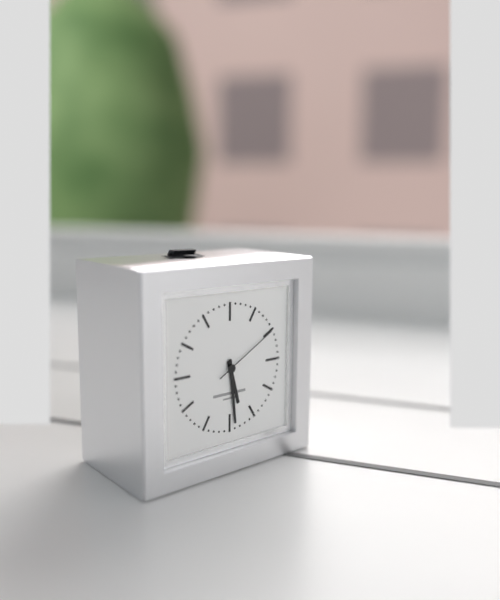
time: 5:29:10
